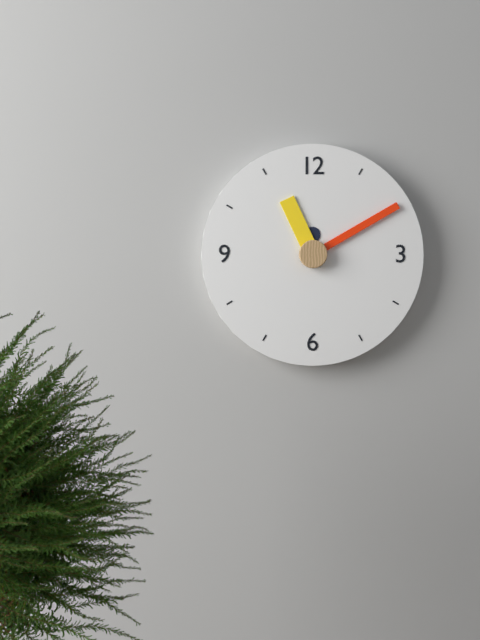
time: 11:10
